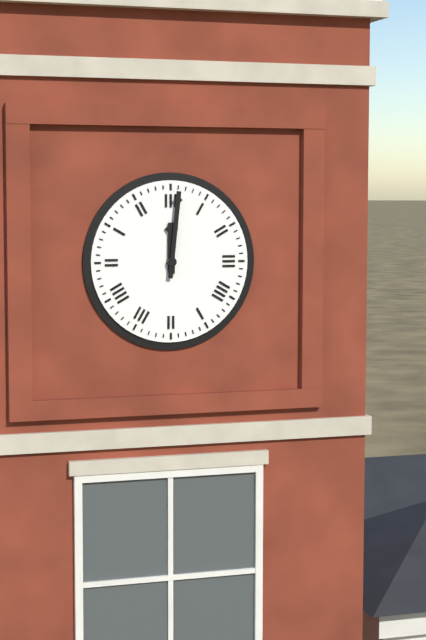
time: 12:01
